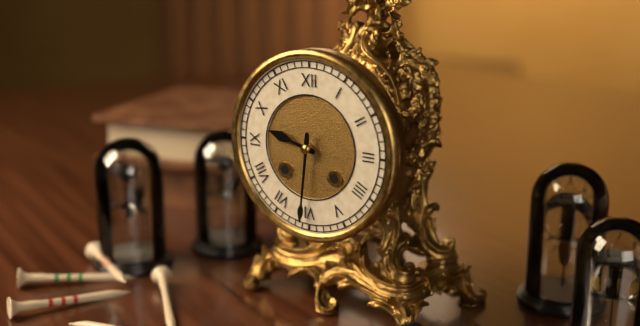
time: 9:31
